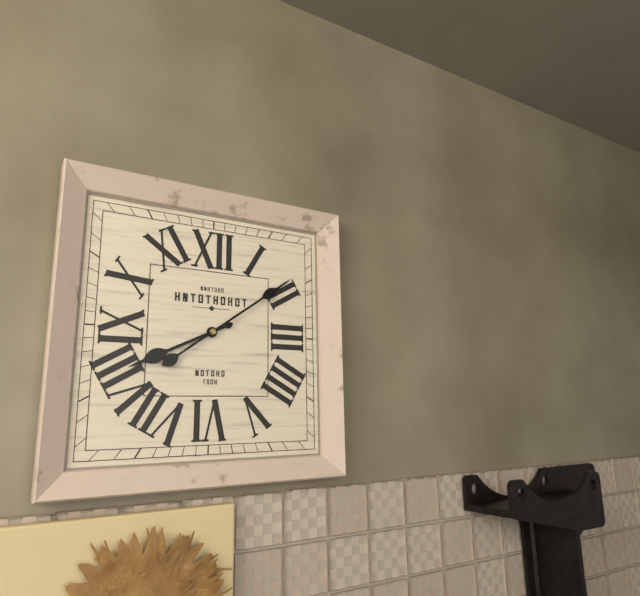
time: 8:09
